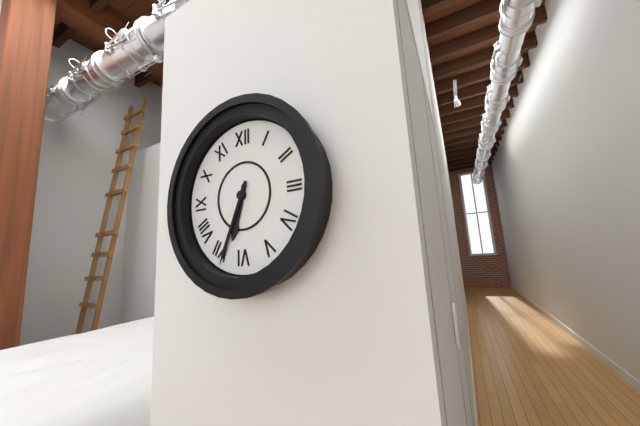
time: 6:34
